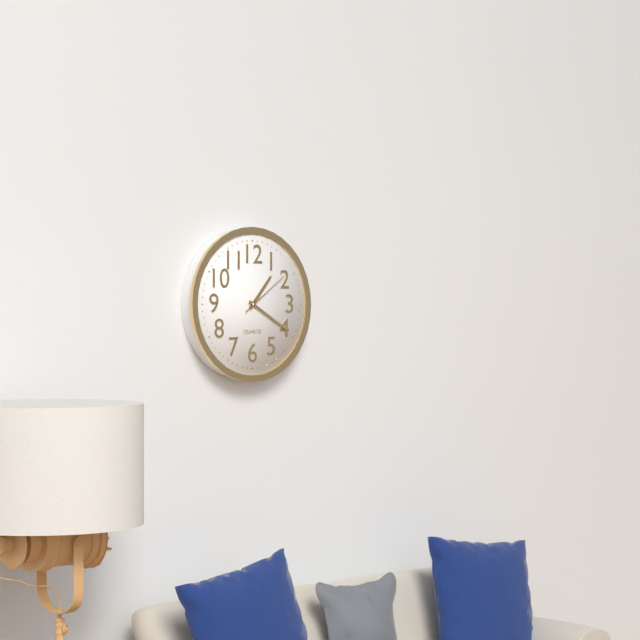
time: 1:20:09
